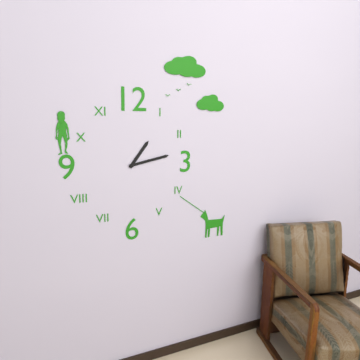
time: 1:13
